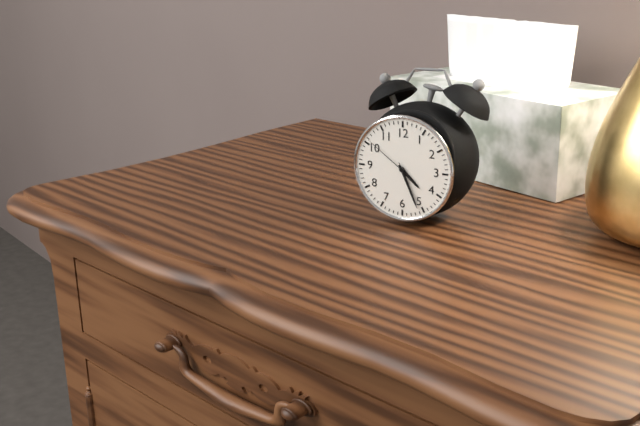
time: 4:26:51
